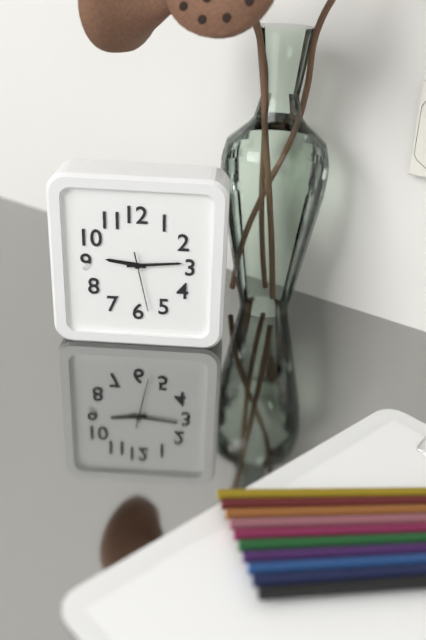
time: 9:14:28
